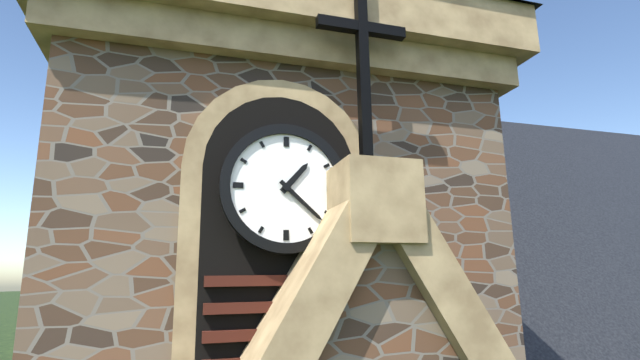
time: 1:22
